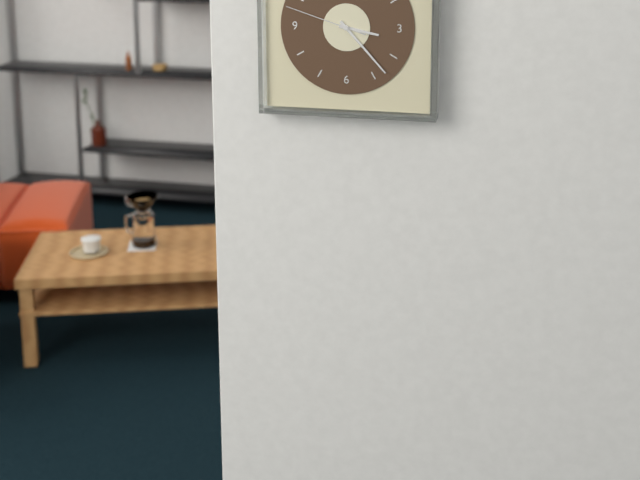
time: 3:23:48
